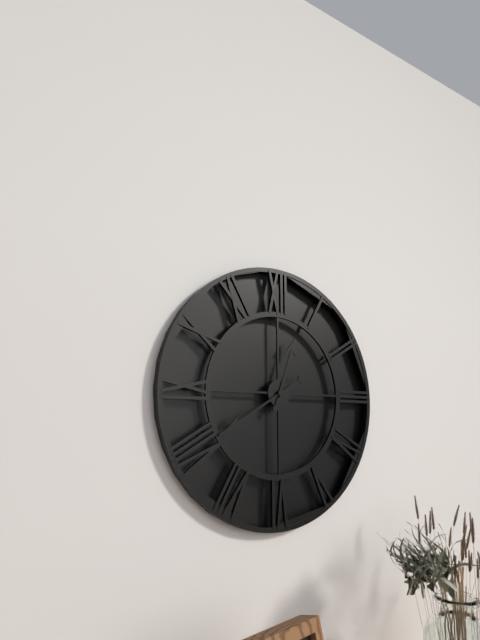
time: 12:40
